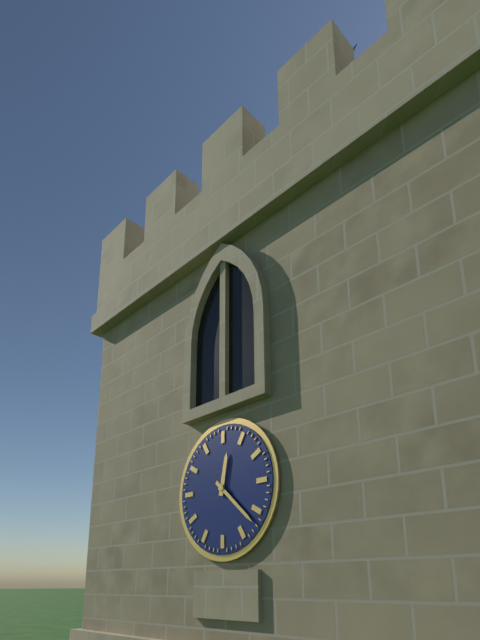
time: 12:22
